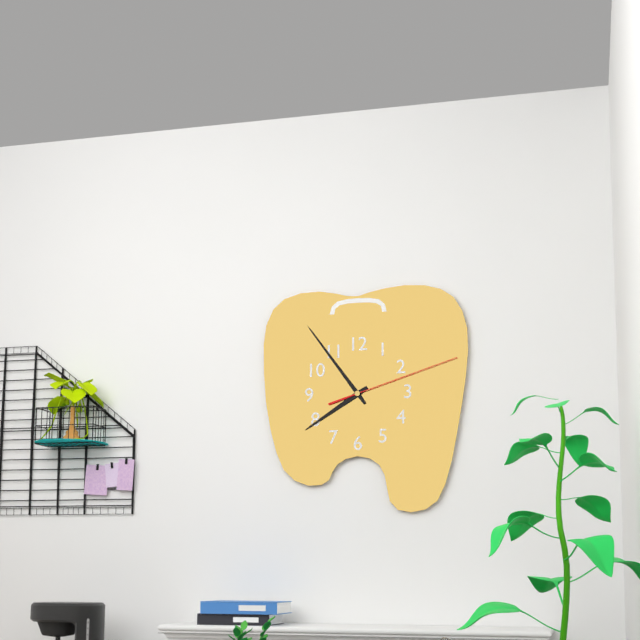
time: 7:54:12
